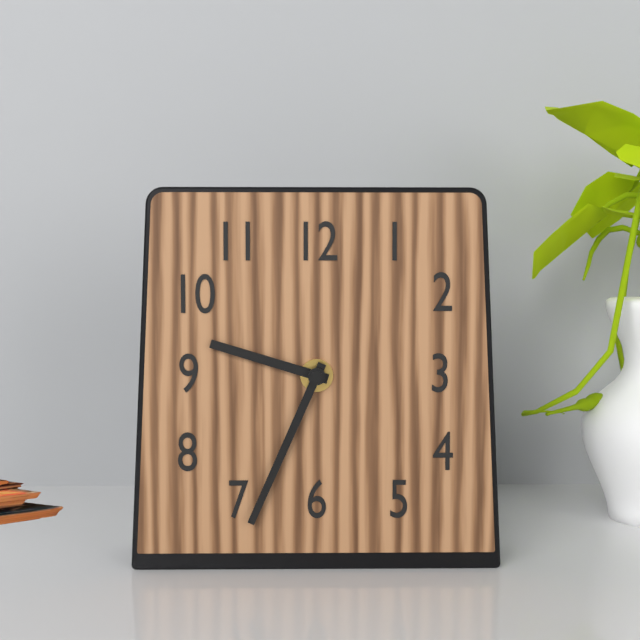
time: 9:34
